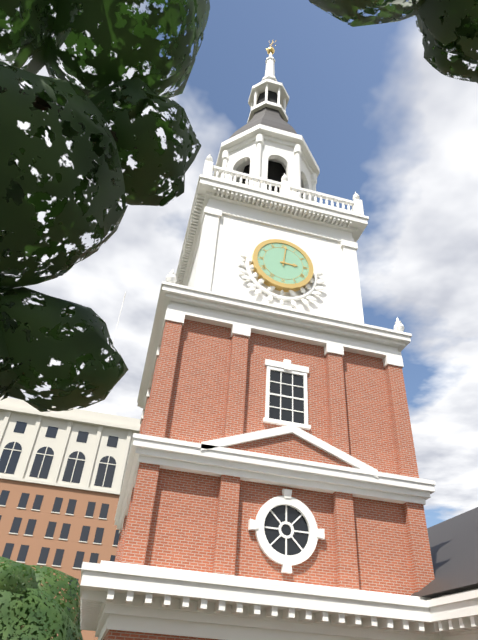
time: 3:01
